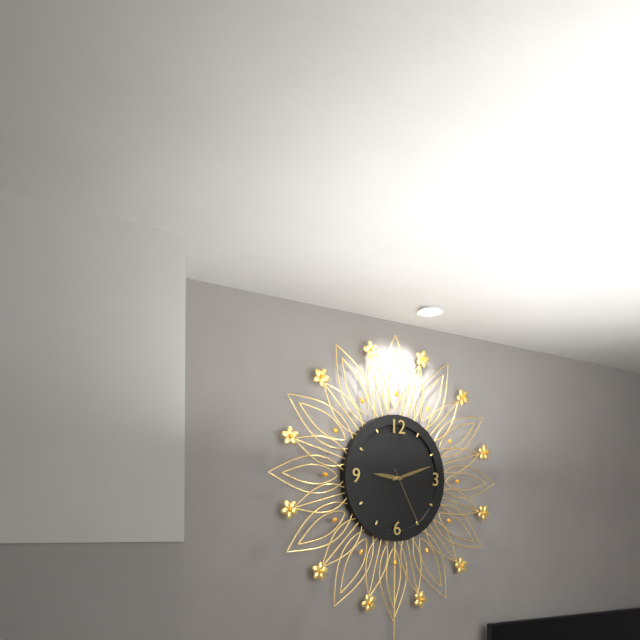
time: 9:12:25
